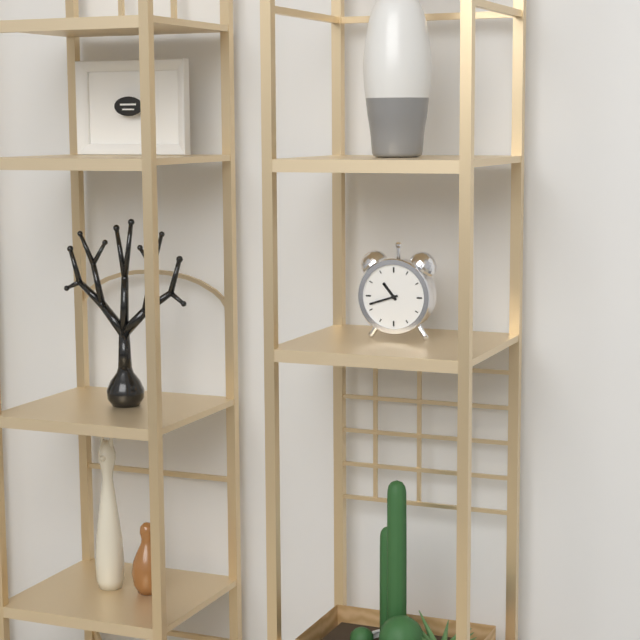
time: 10:42
